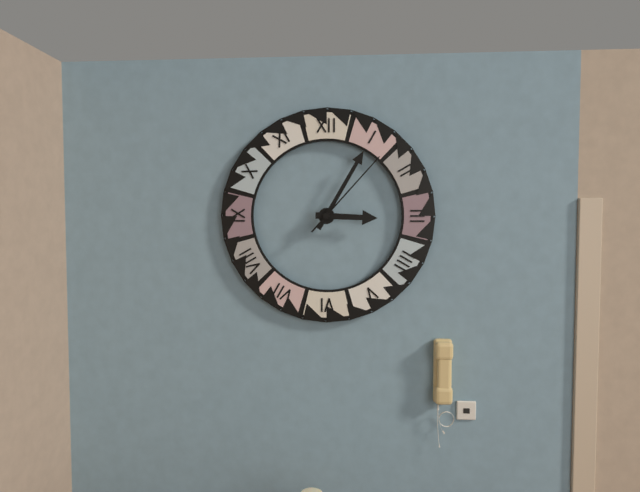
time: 3:05:07
